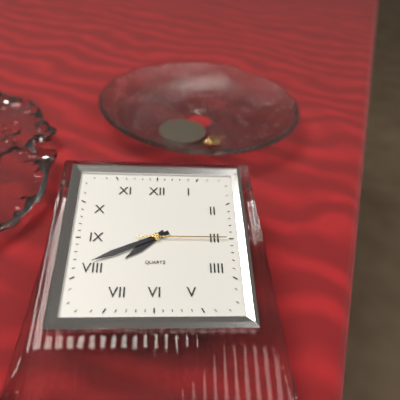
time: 7:41:15
